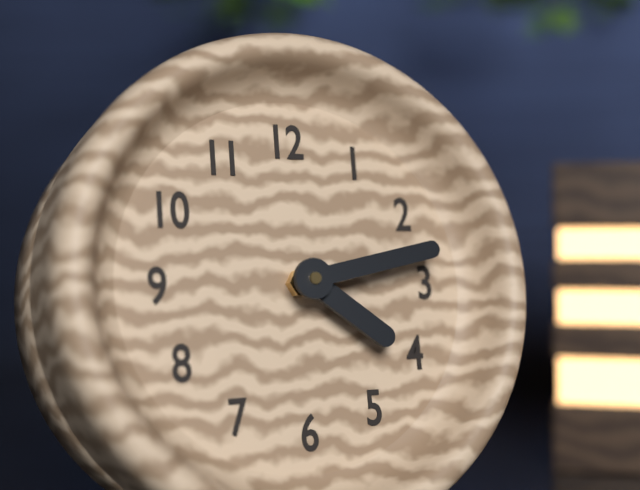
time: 4:13
